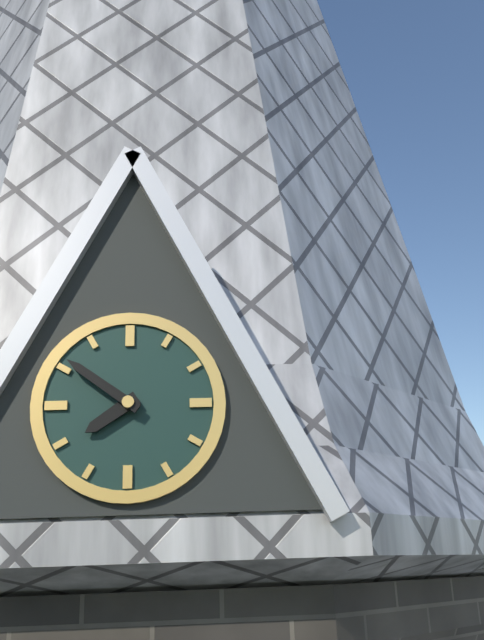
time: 7:51
